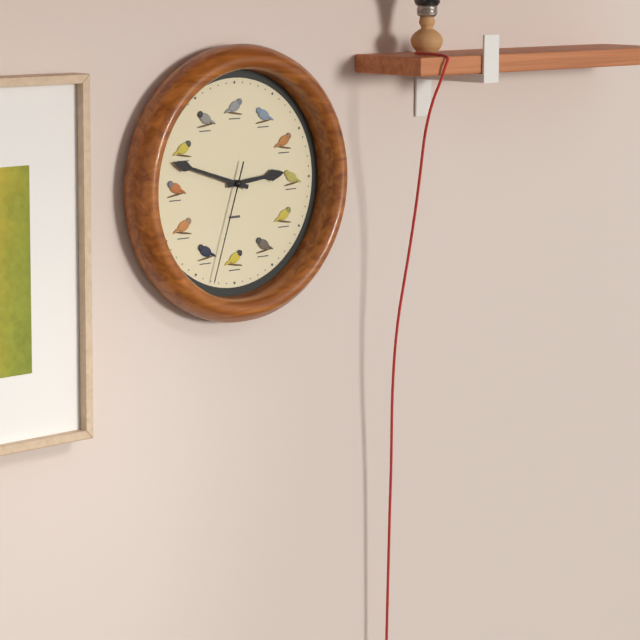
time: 2:48:33
